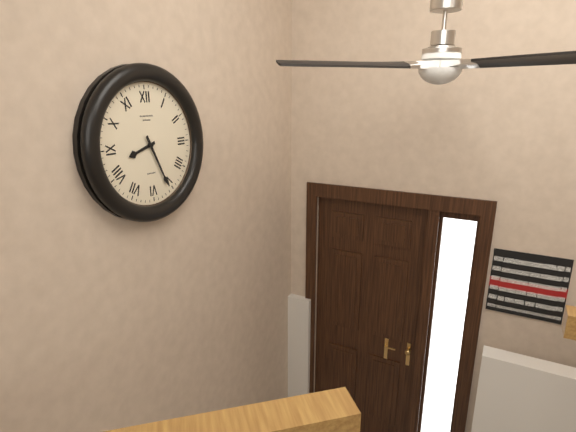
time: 8:26
